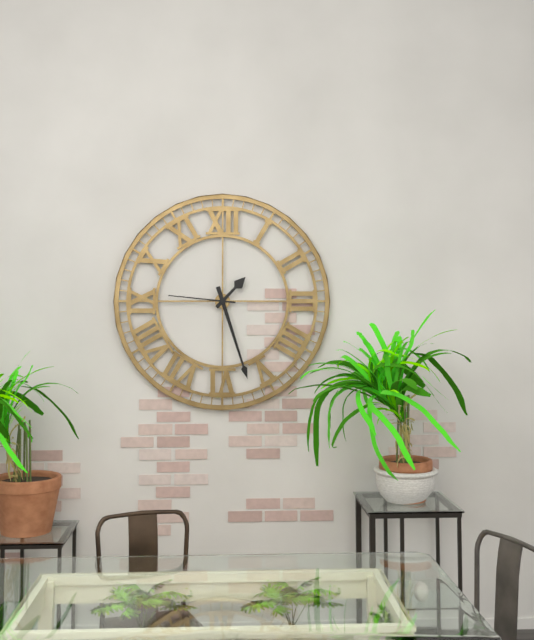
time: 1:27:46
